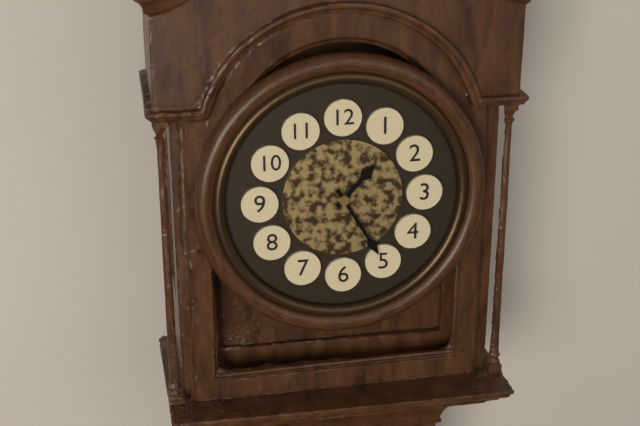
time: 1:25
